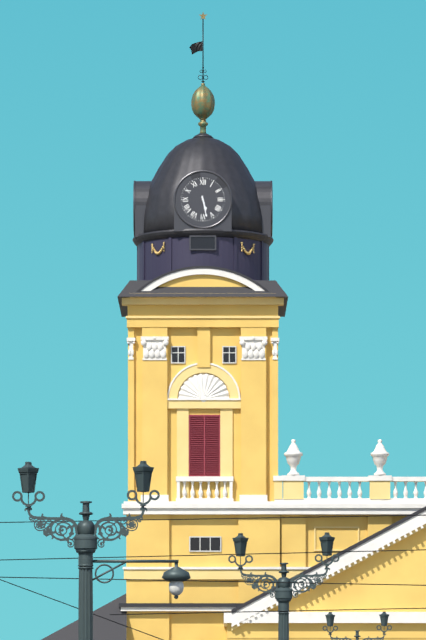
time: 5:28
